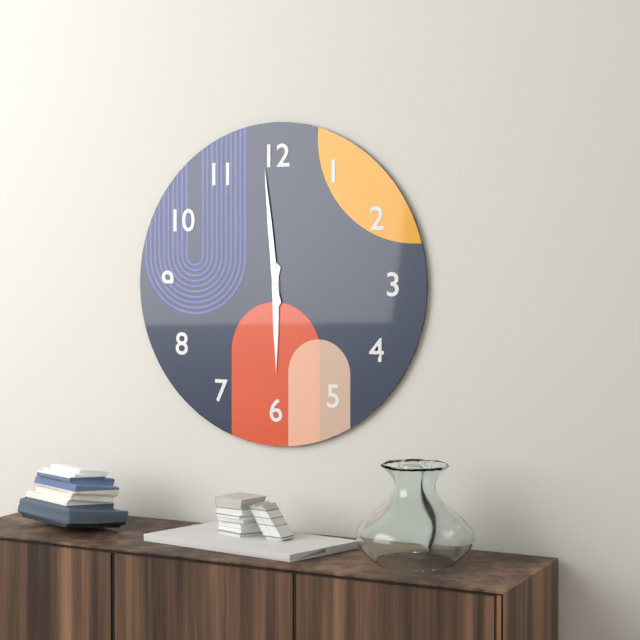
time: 5:59
